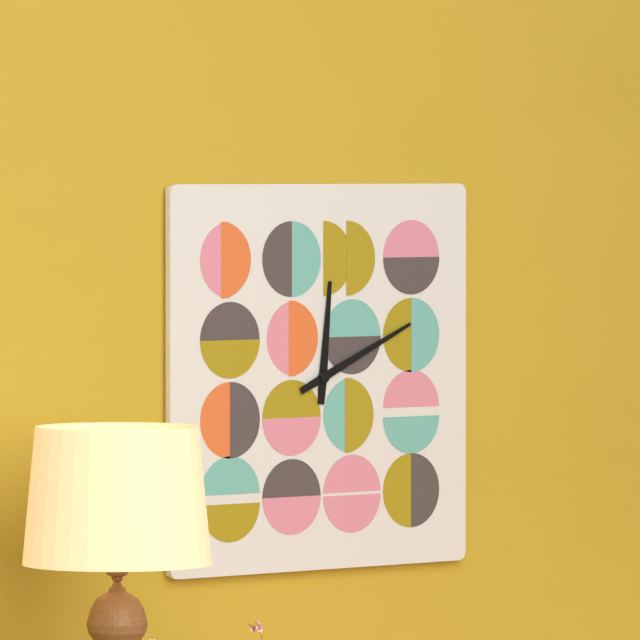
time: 12:11
